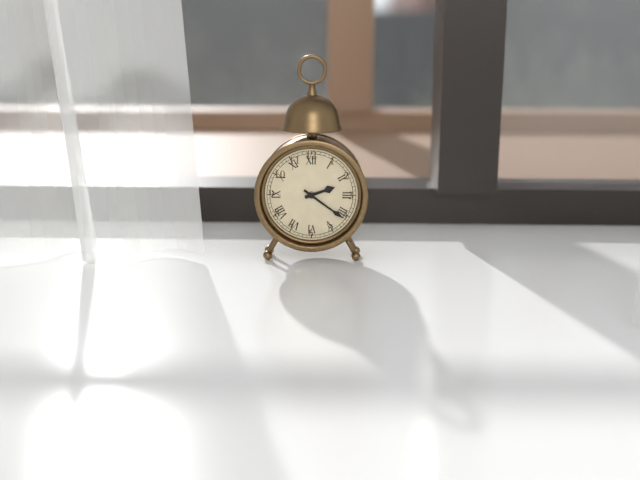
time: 2:21
